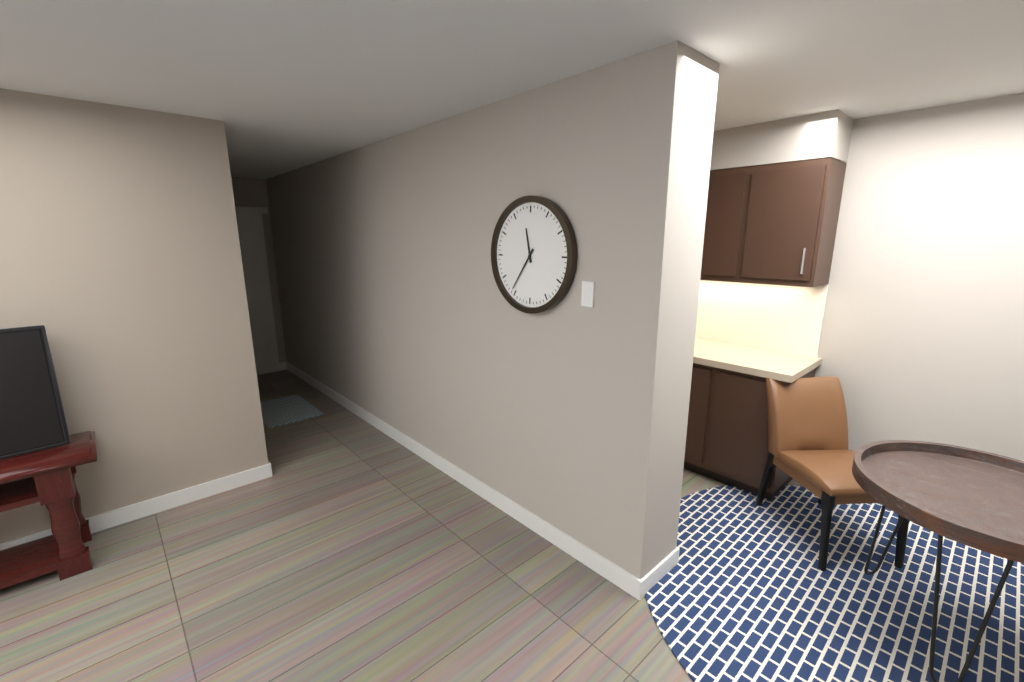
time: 11:36
